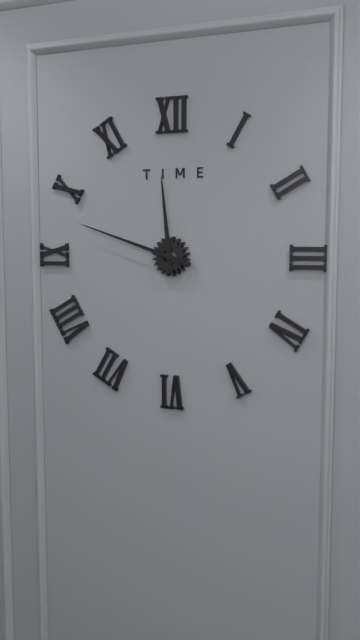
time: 11:48
